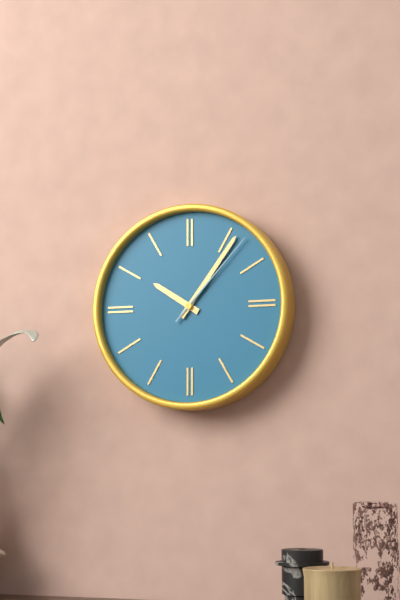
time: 10:06:07
